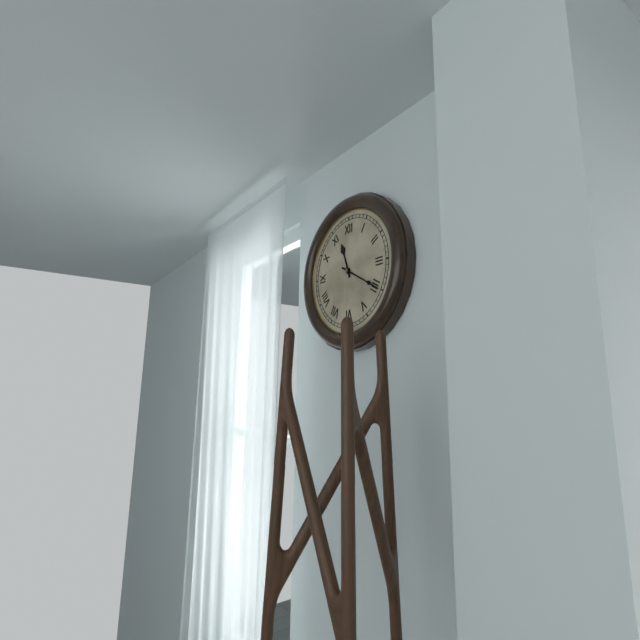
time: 11:20
